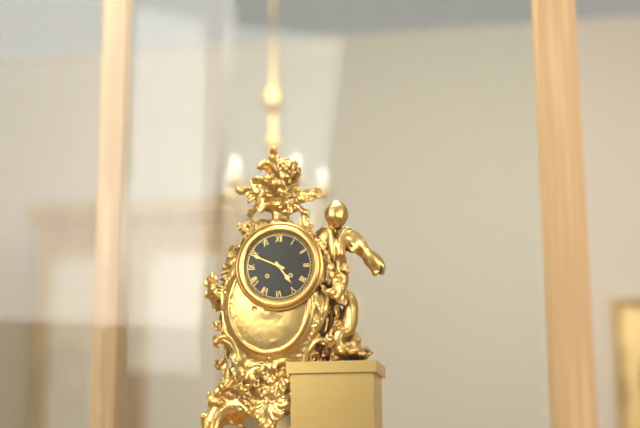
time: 4:49
